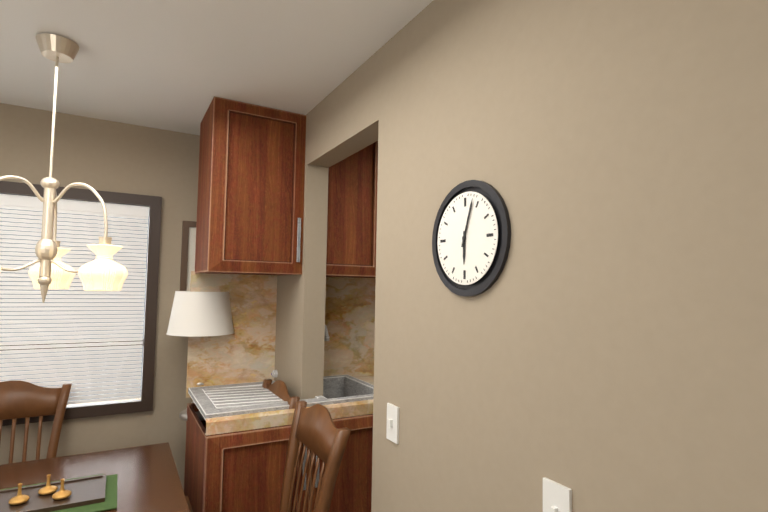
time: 6:03
